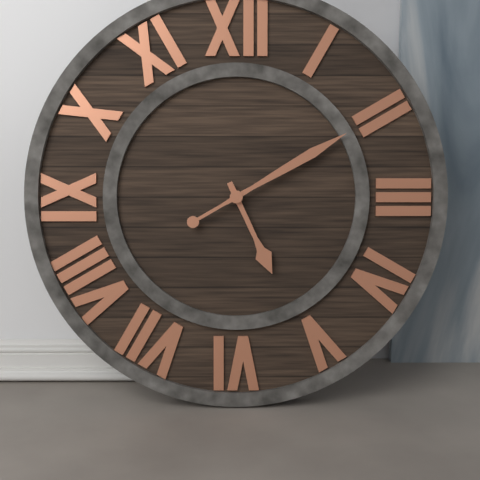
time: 5:10
